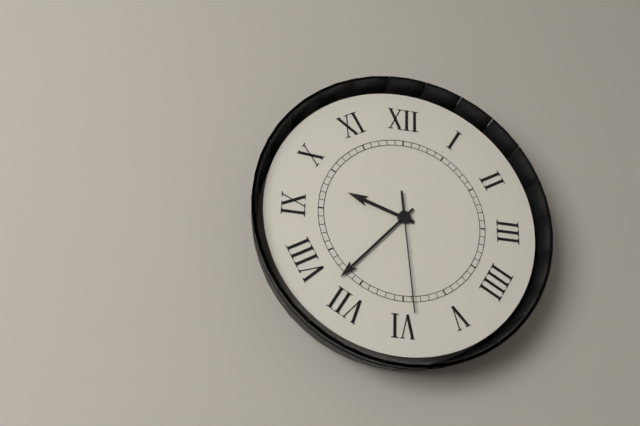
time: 9:37:29
